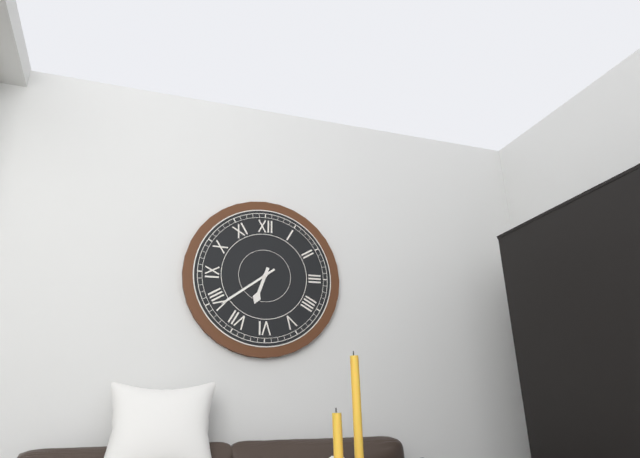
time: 6:39
